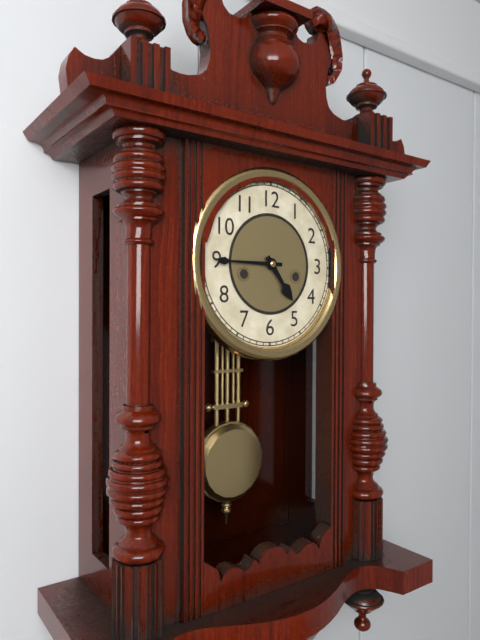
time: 4:45
